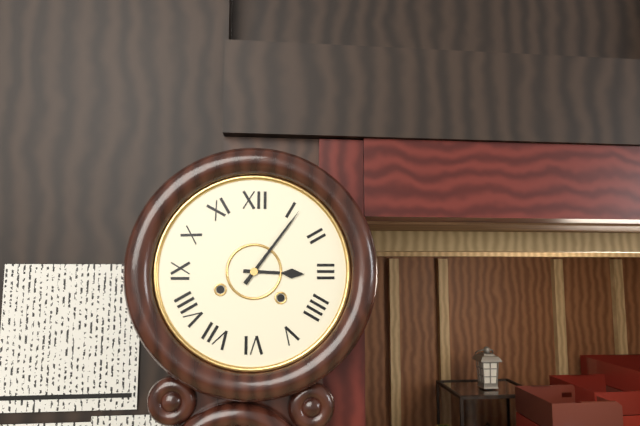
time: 3:06
